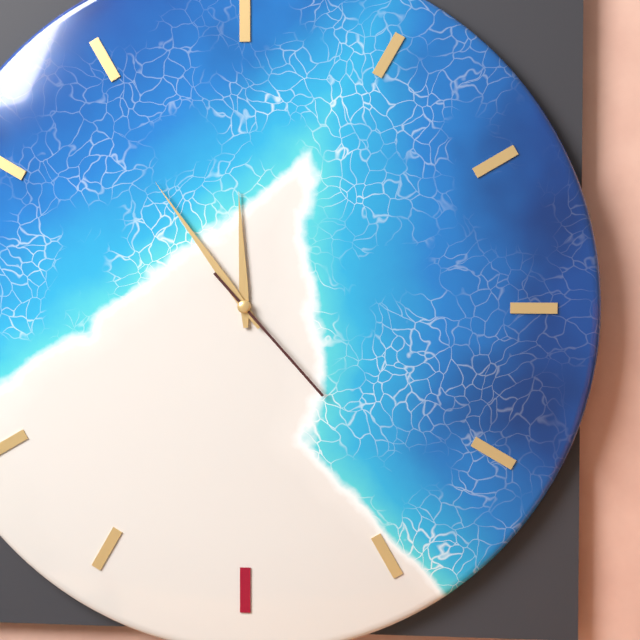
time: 11:54:23
